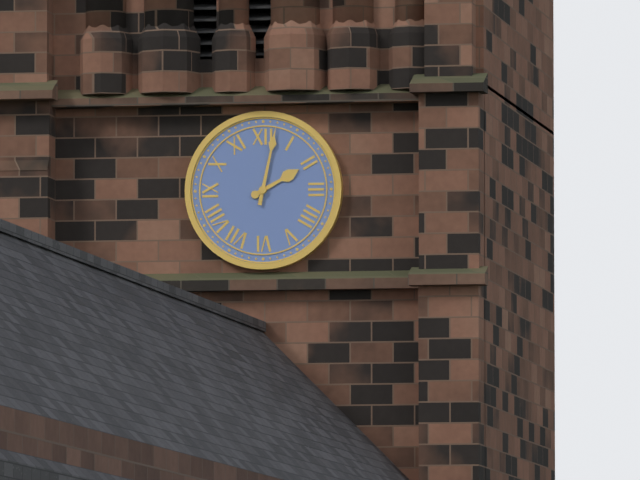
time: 2:02
